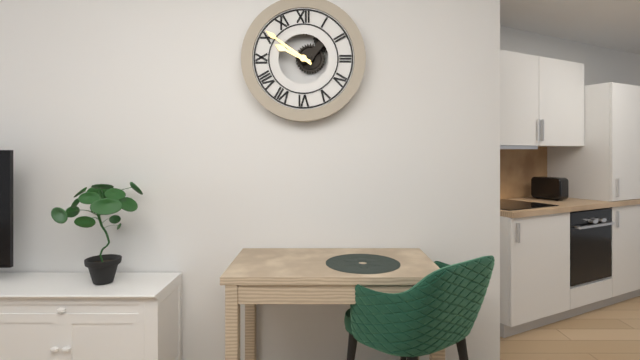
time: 9:51
